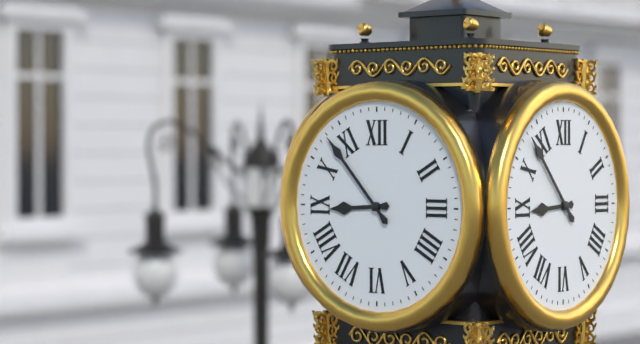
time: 8:53
